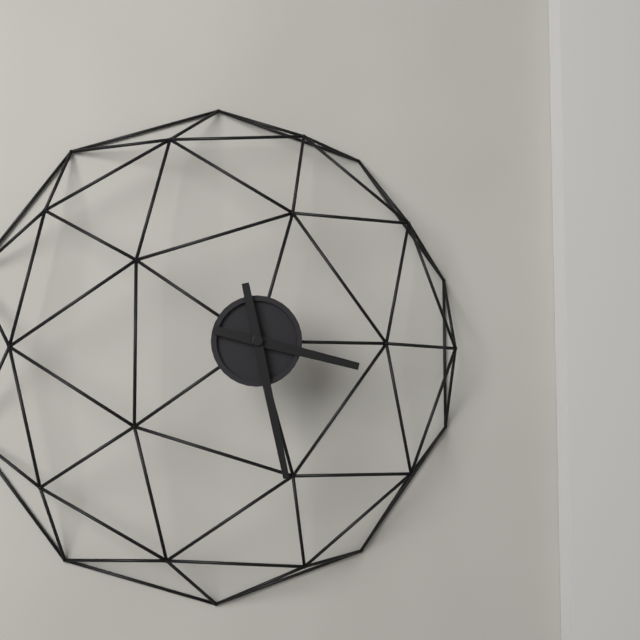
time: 3:28
